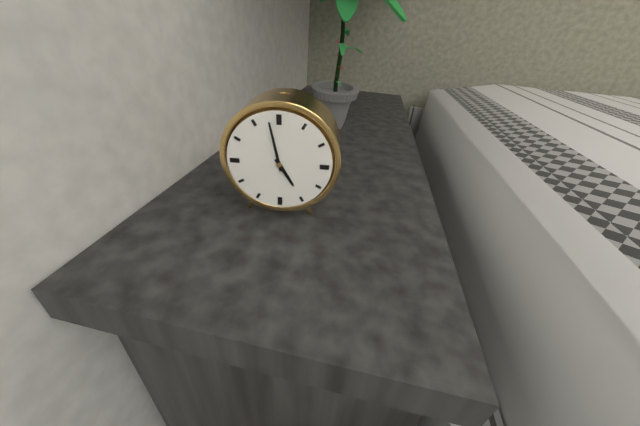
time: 4:58
